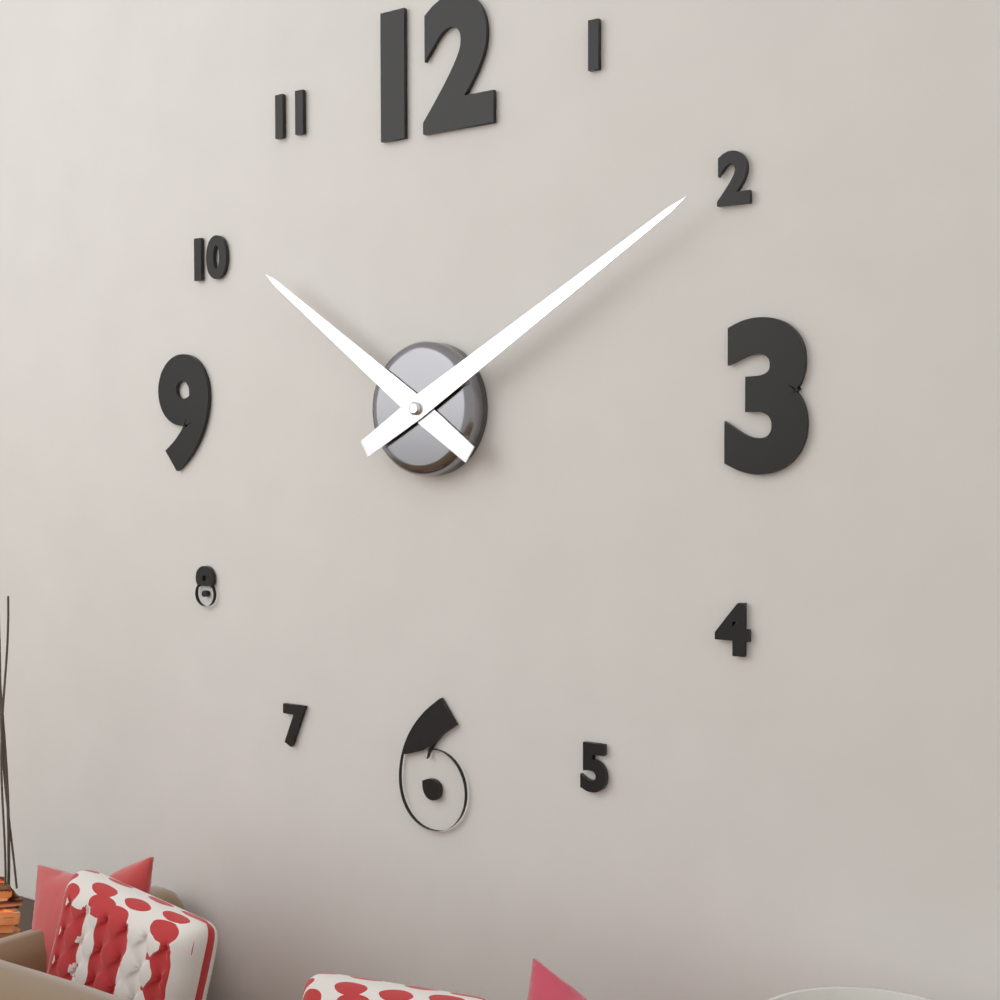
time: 10:10
